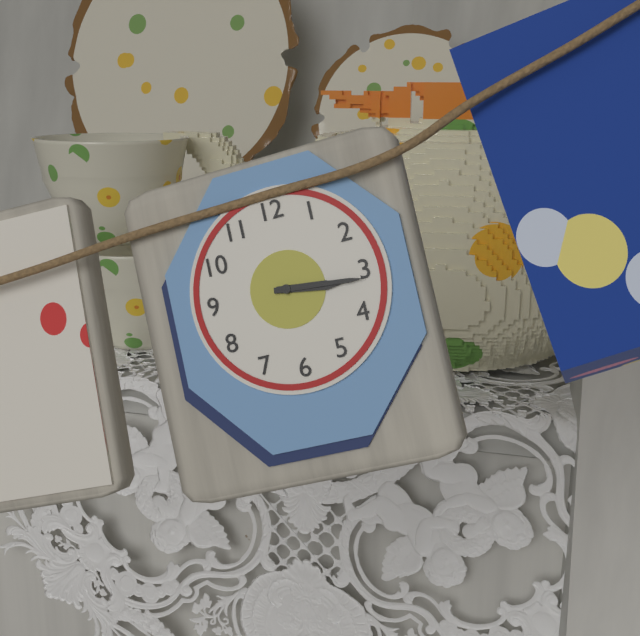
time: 3:16
